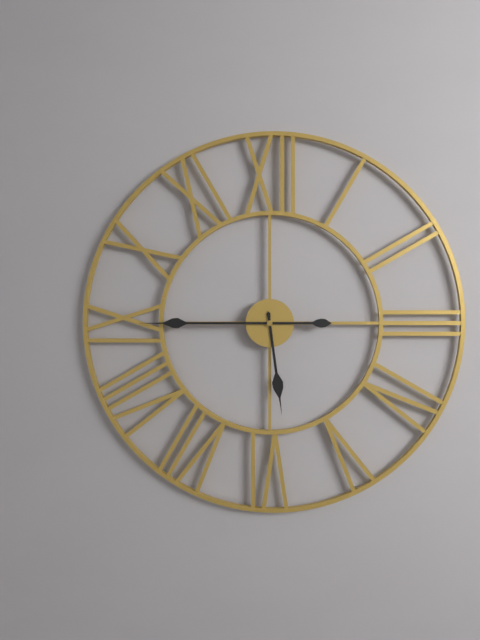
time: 5:45
